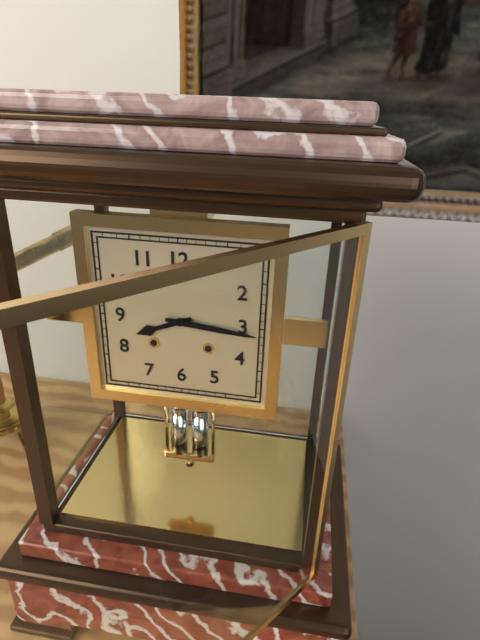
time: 8:16
